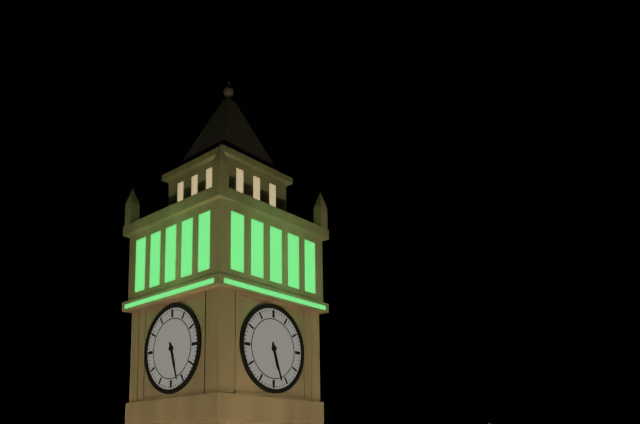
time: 5:27
